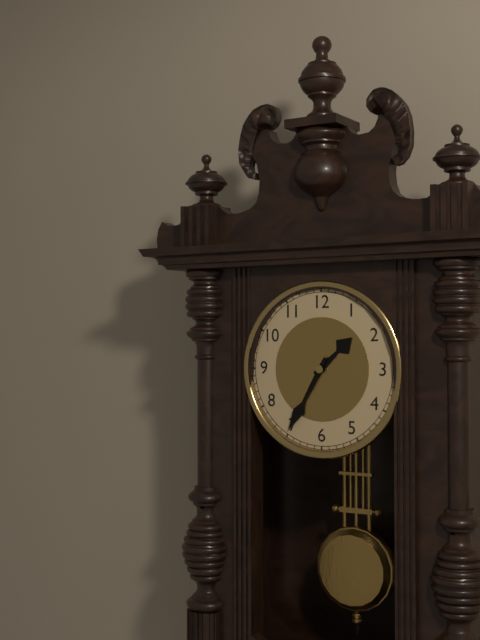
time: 1:35
